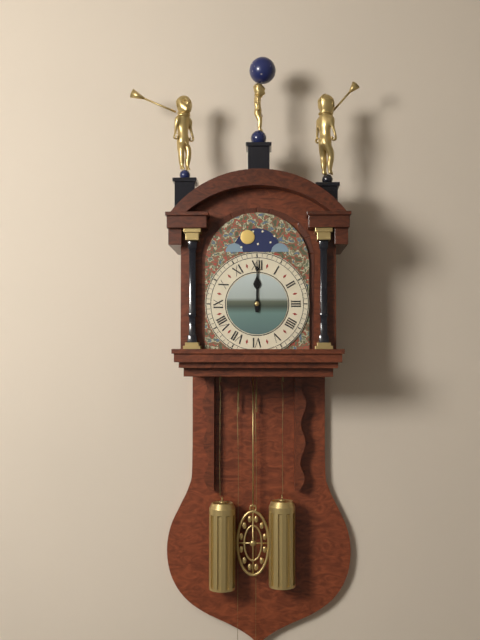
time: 12:00
